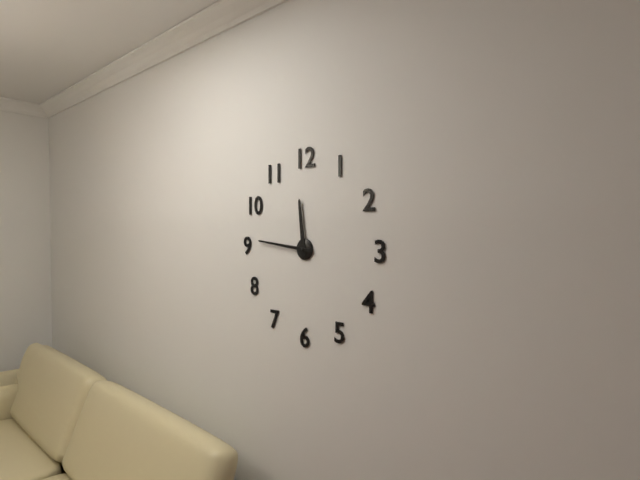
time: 11:46
